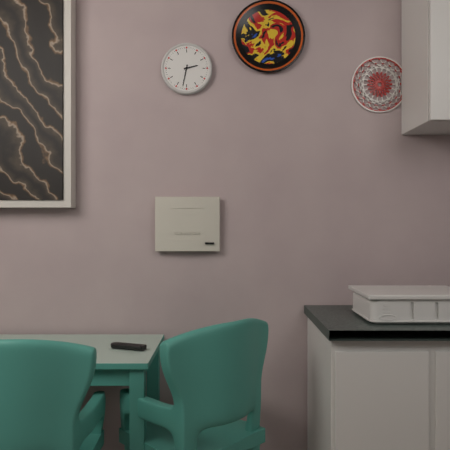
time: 2:32
